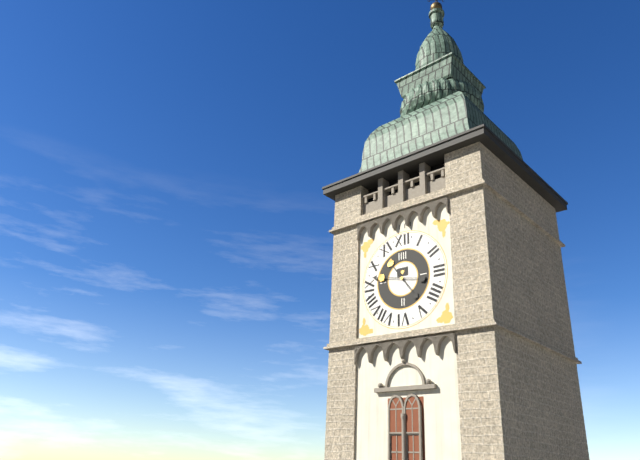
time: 10:47
